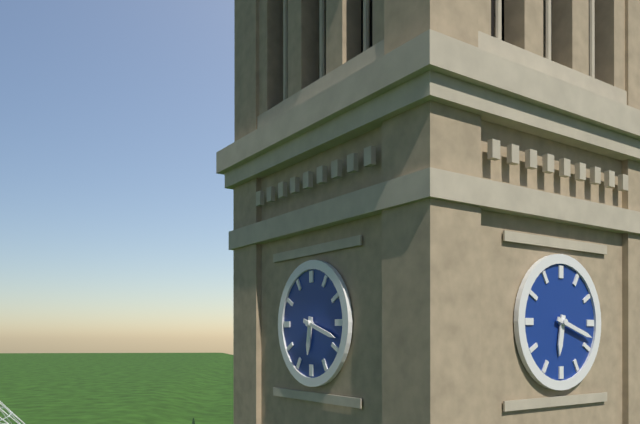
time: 6:18
